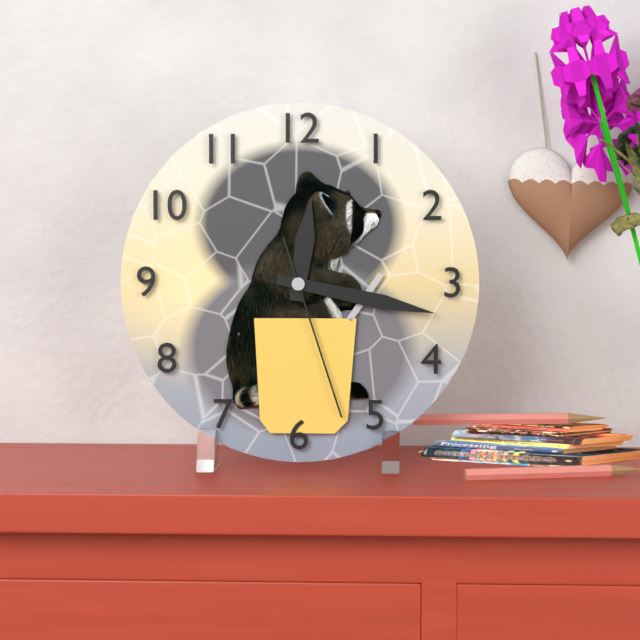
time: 12:17:27
